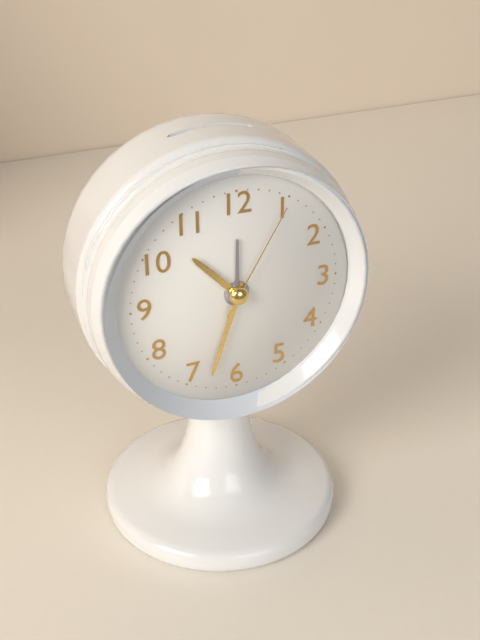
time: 10:33:05
